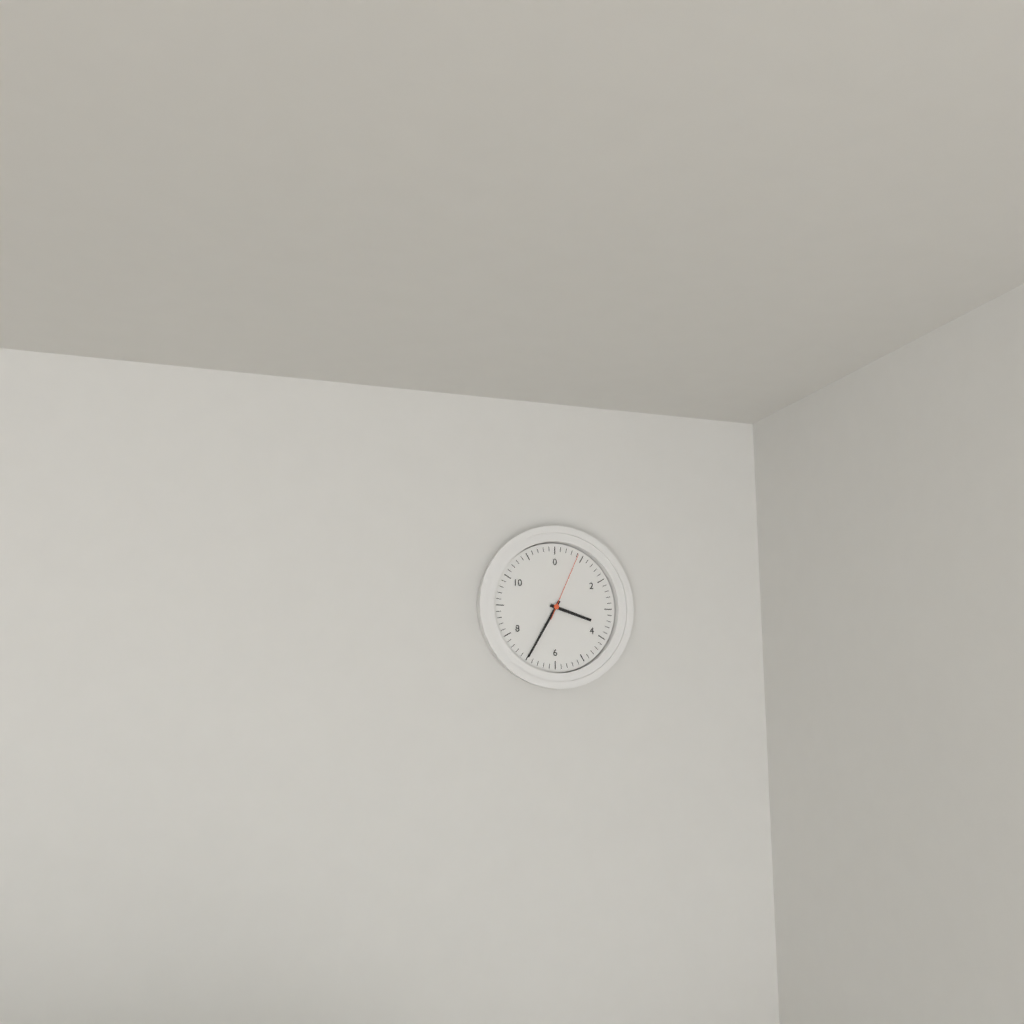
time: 3:35:04
